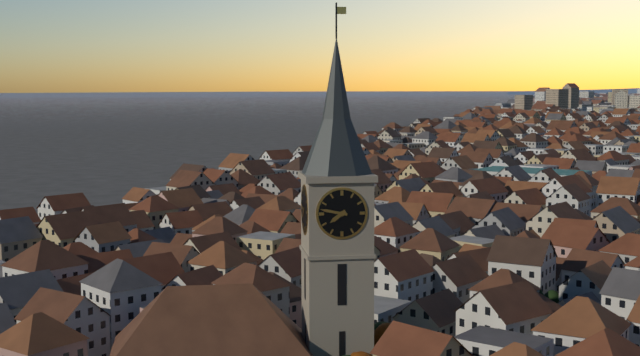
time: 7:47
